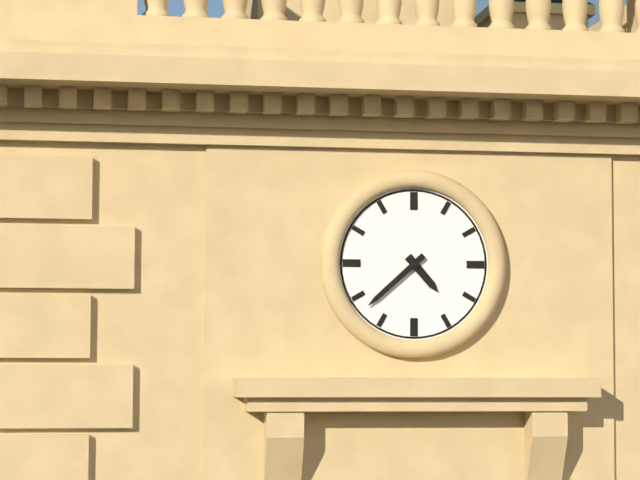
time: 4:38
